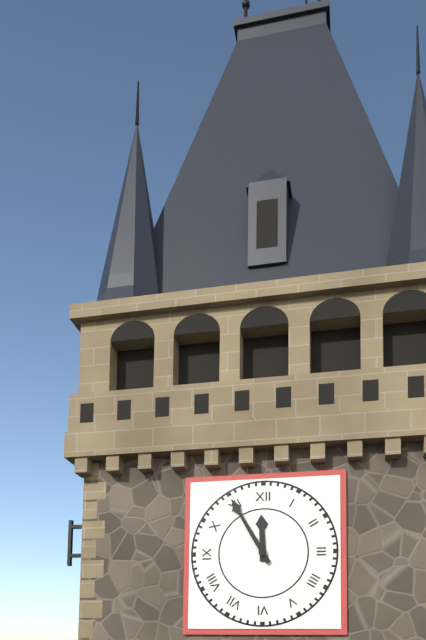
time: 11:55
